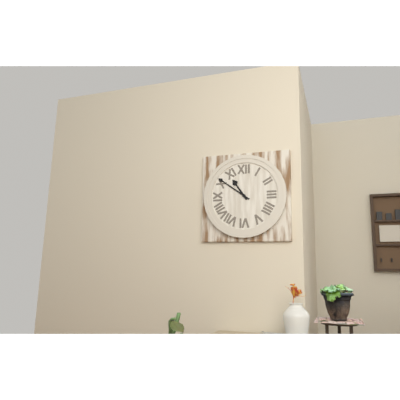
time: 10:51
